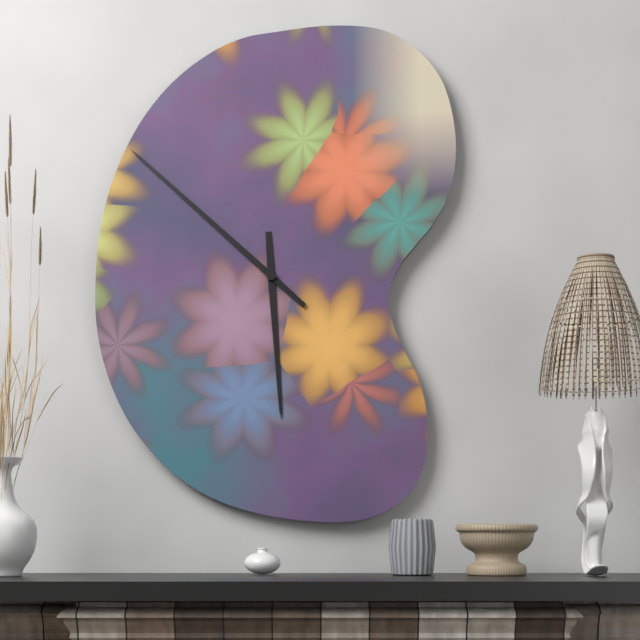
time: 5:52
